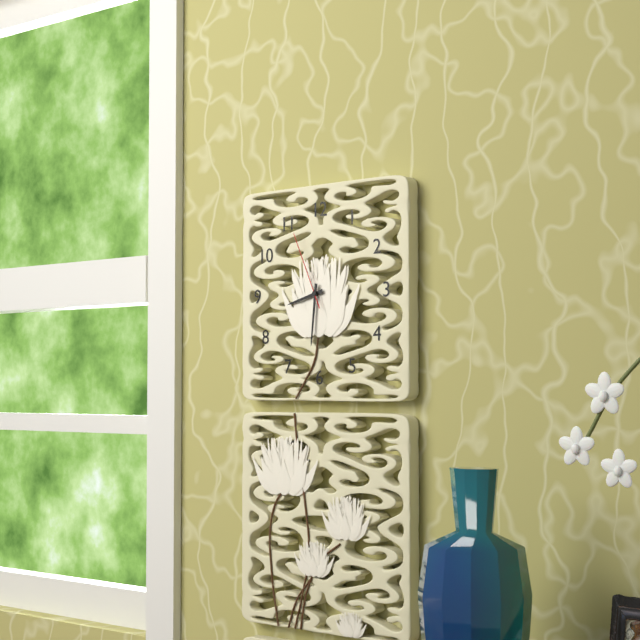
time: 8:31:56
